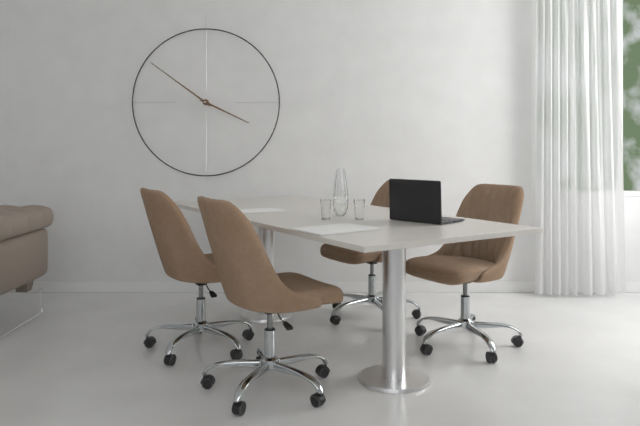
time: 3:51
